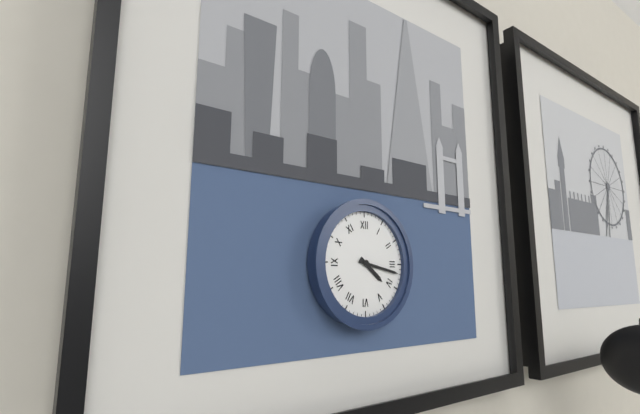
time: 4:17
